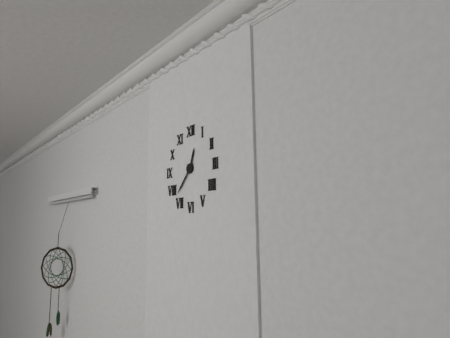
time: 12:37
